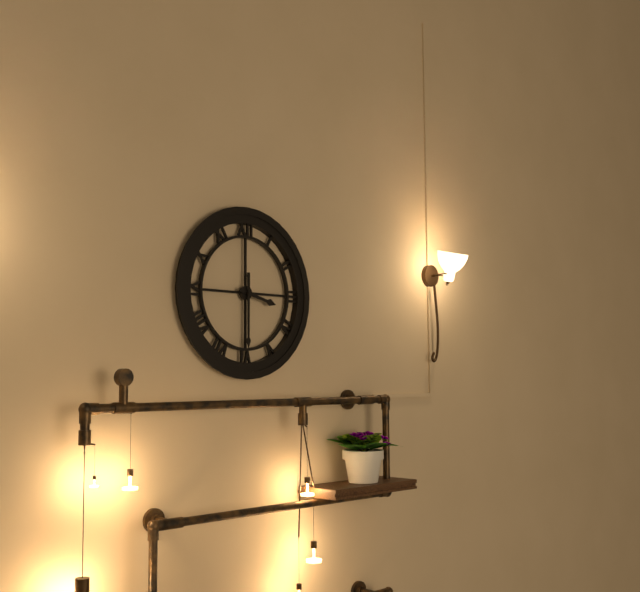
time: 3:30
